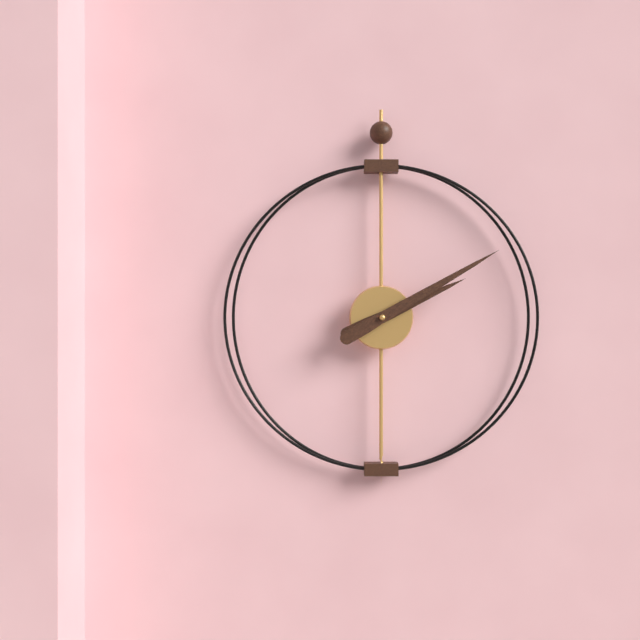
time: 2:10
